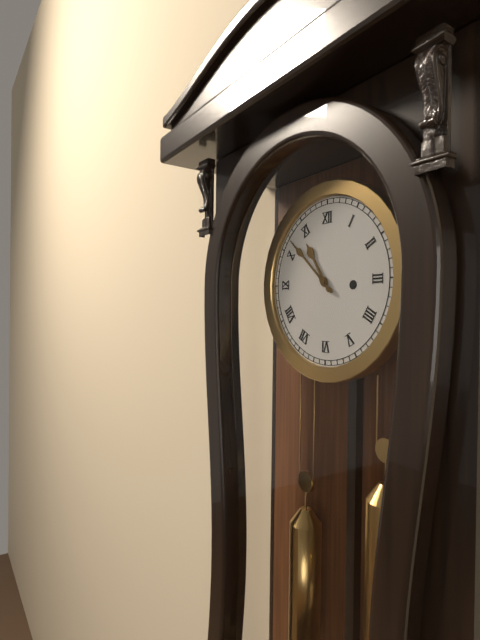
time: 10:52
